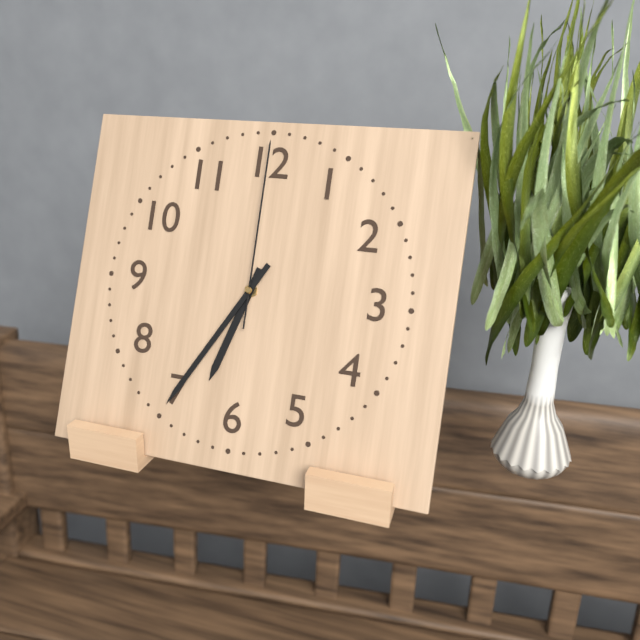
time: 6:35:00
